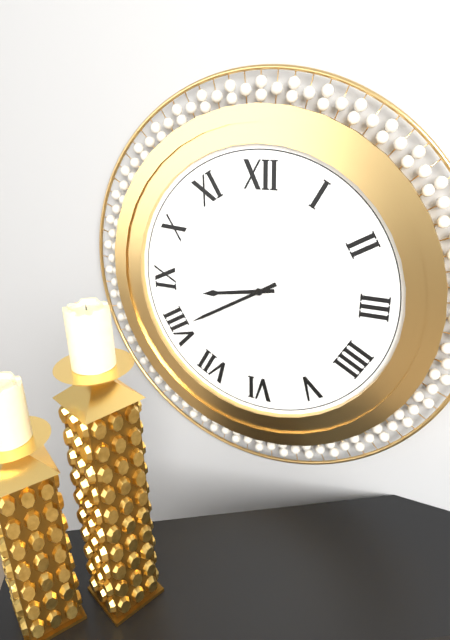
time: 8:40
